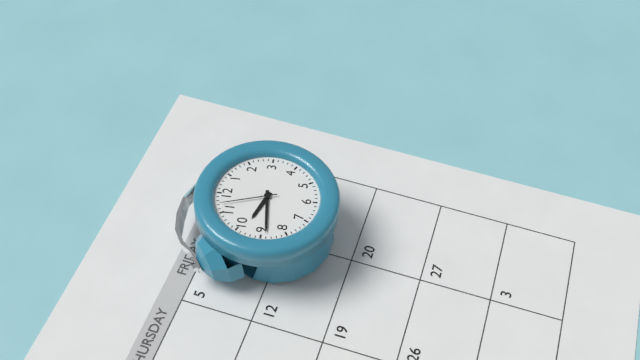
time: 9:44:57
